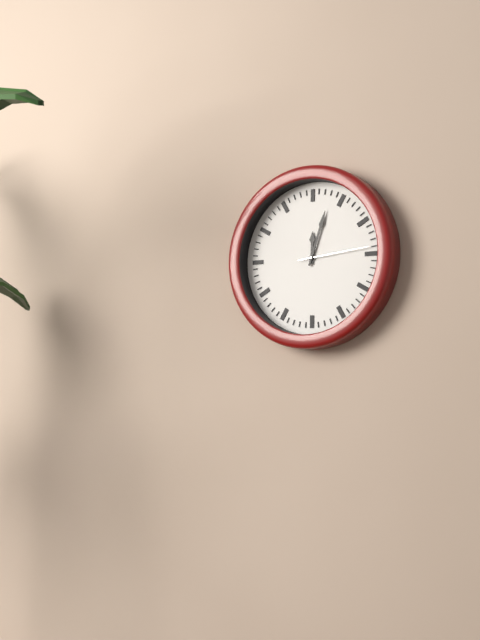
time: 12:03:14
